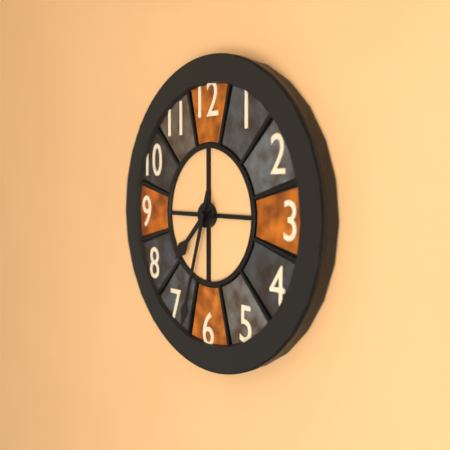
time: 7:33
